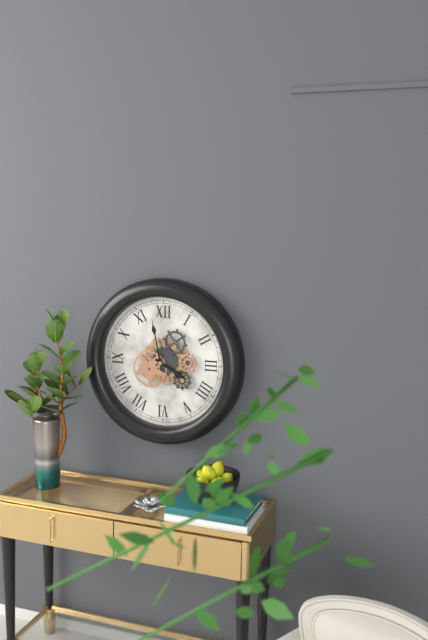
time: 3:58
